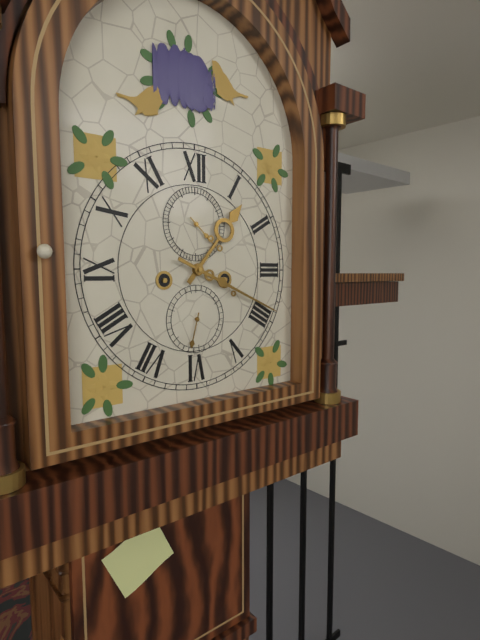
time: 1:19
